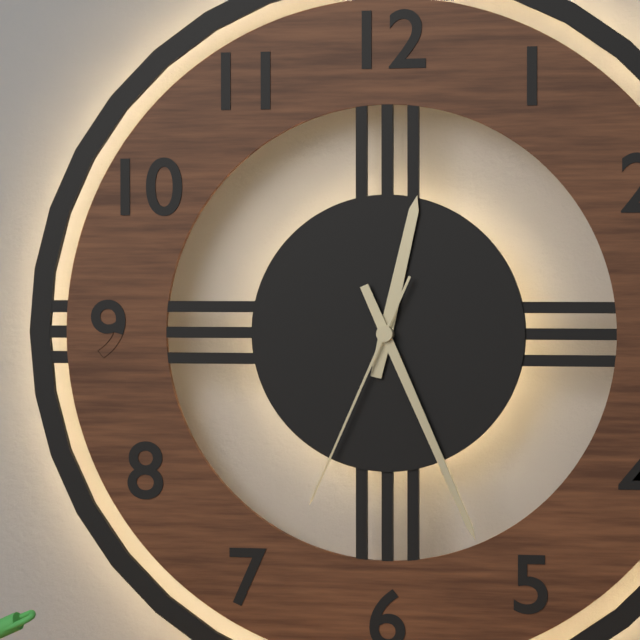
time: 12:26:34
